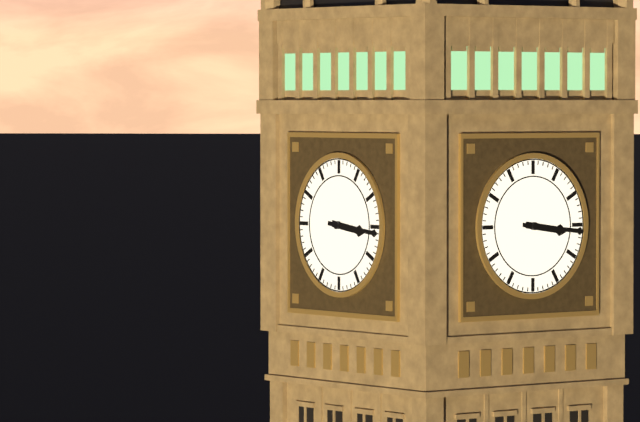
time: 3:16
